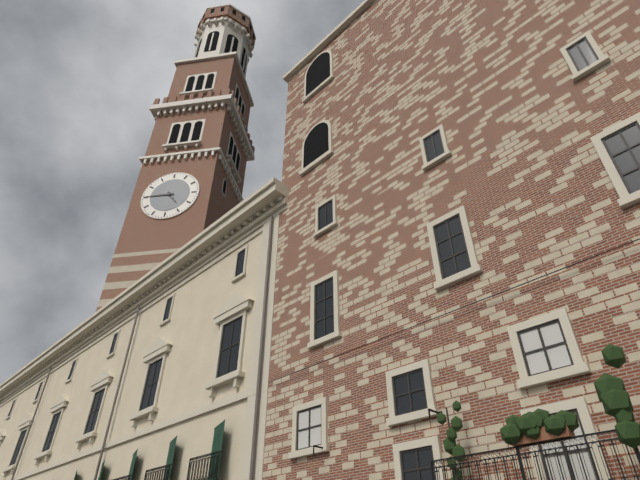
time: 4:45
